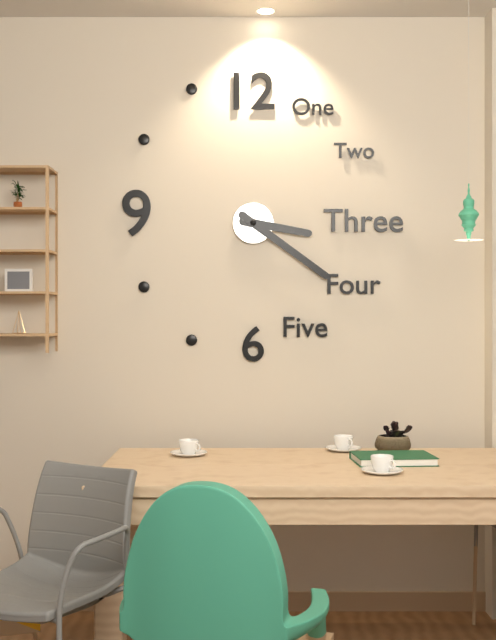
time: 3:21
